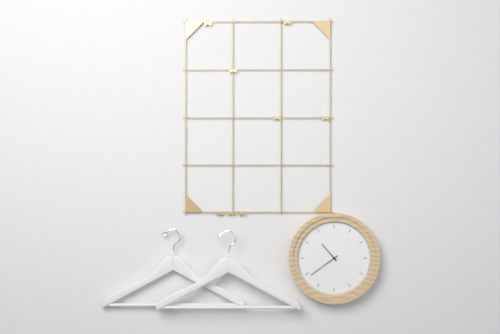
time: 10:39
